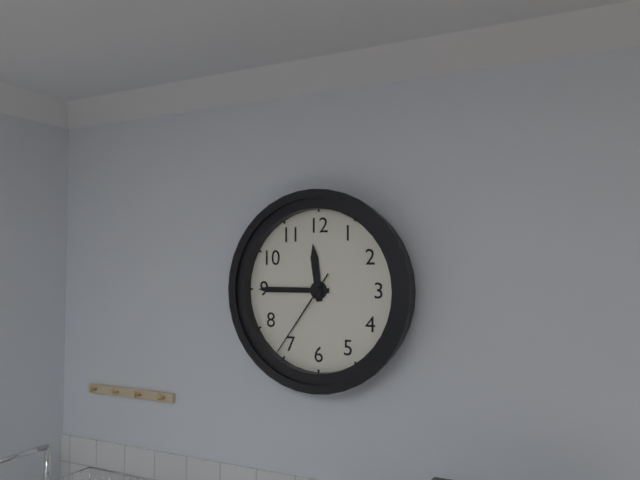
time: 11:45:36
